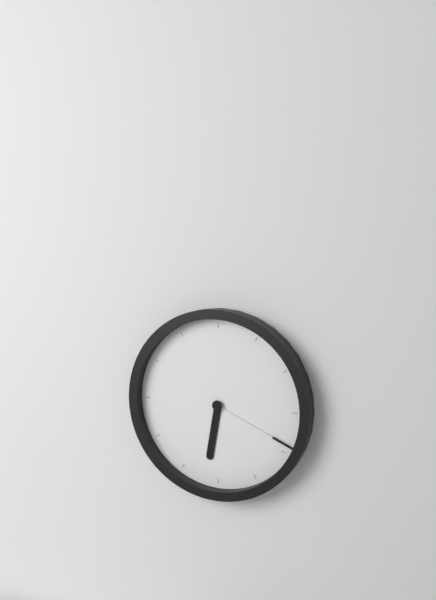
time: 6:19
